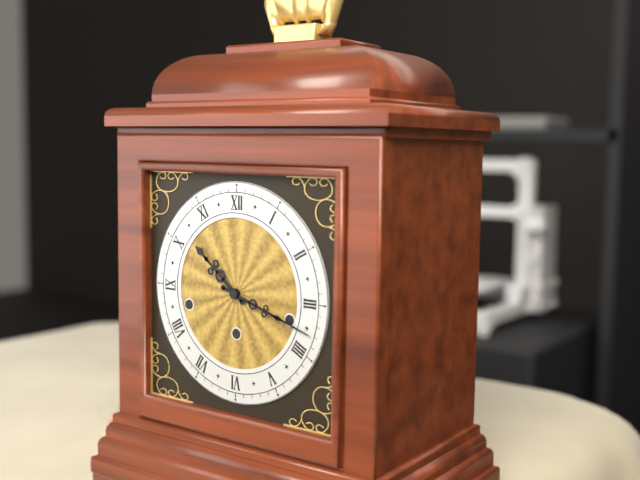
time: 10:18
